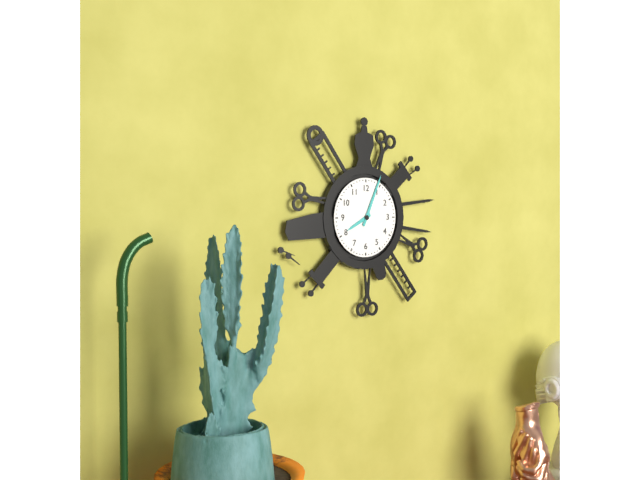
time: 8:04
